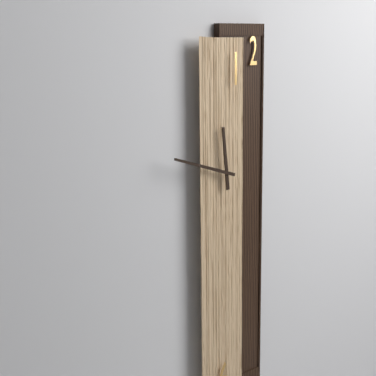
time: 11:48
